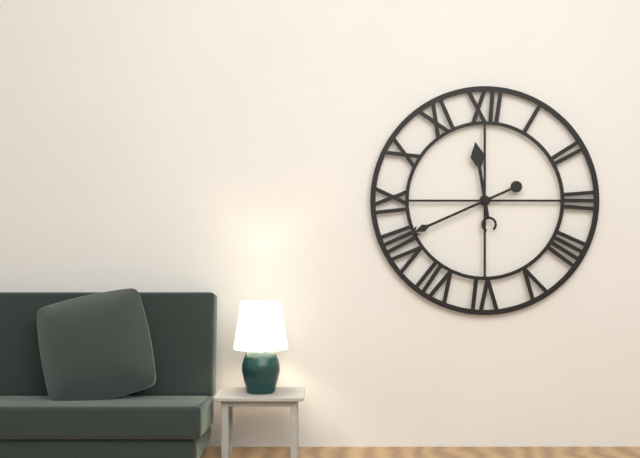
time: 11:41
